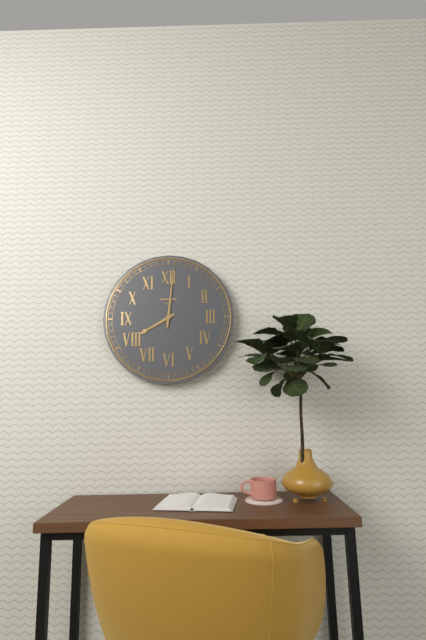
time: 8:01
